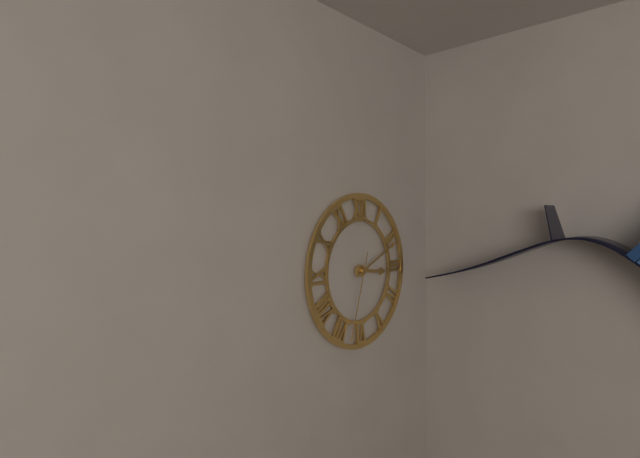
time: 3:11:33
